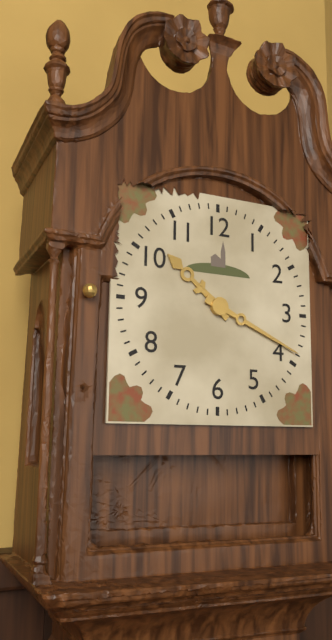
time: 10:19
